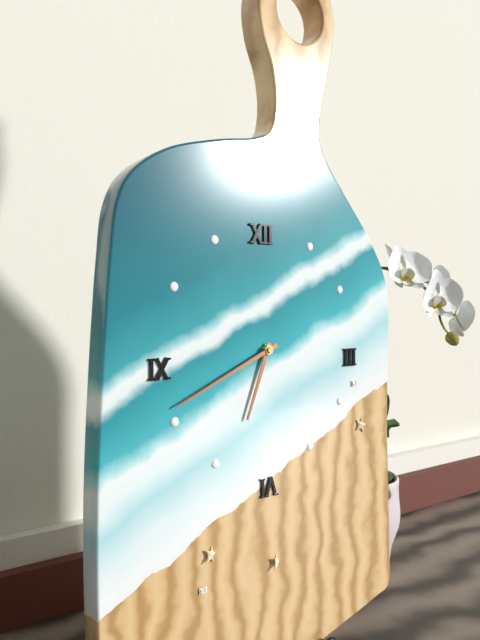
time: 6:41
